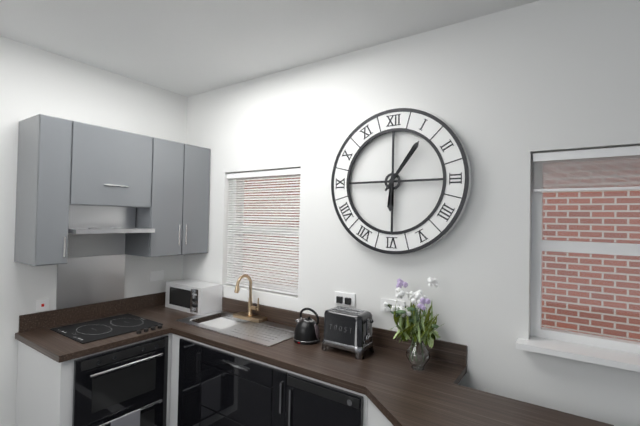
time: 6:06
